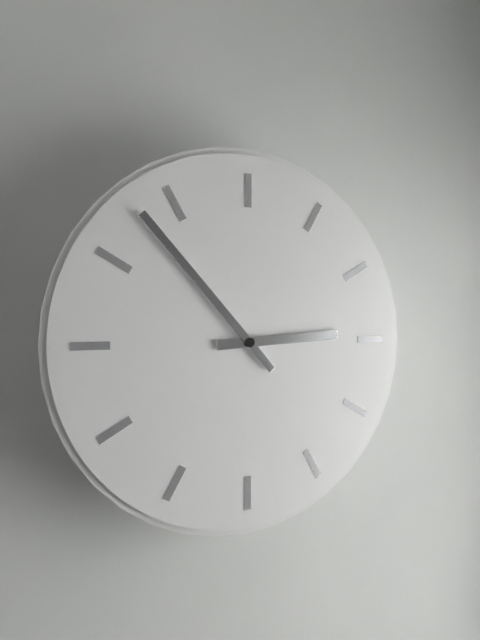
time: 2:53
